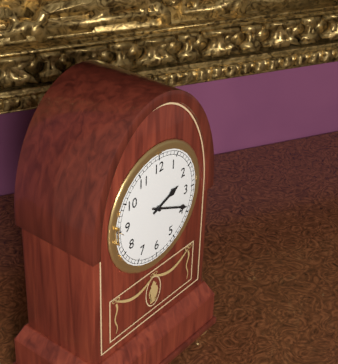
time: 2:19
